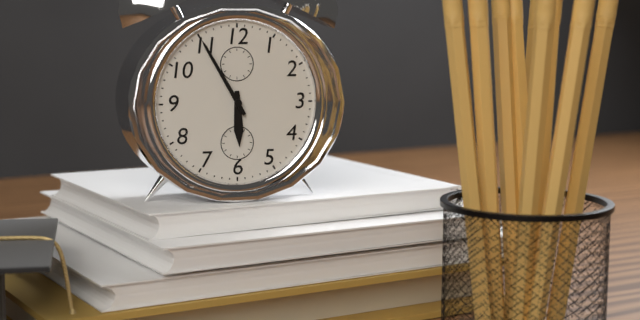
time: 5:55
